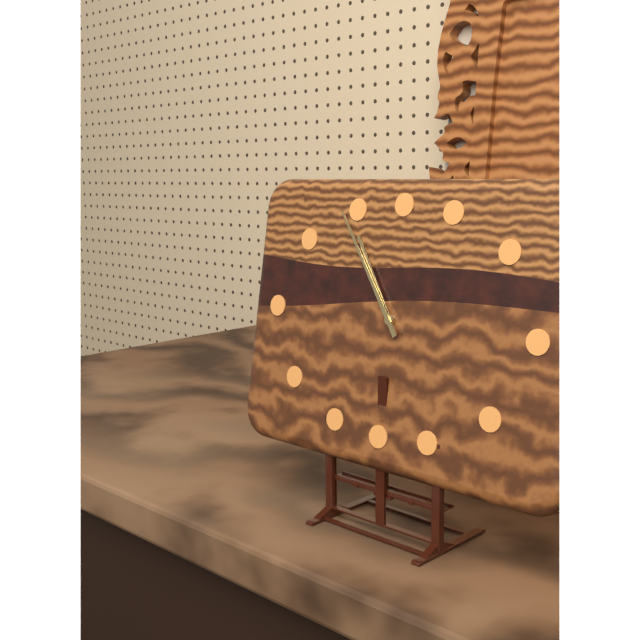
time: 10:54
